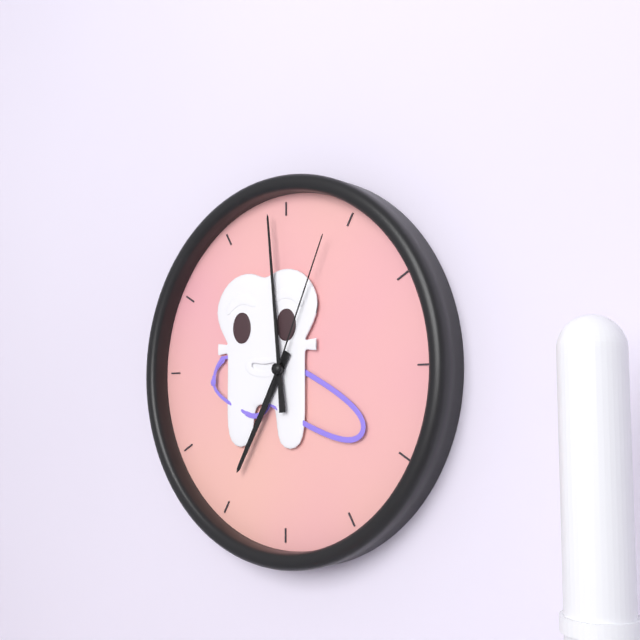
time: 6:59:04
